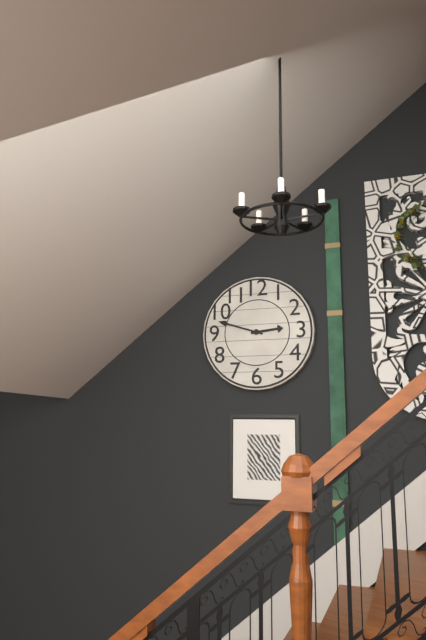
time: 2:48
